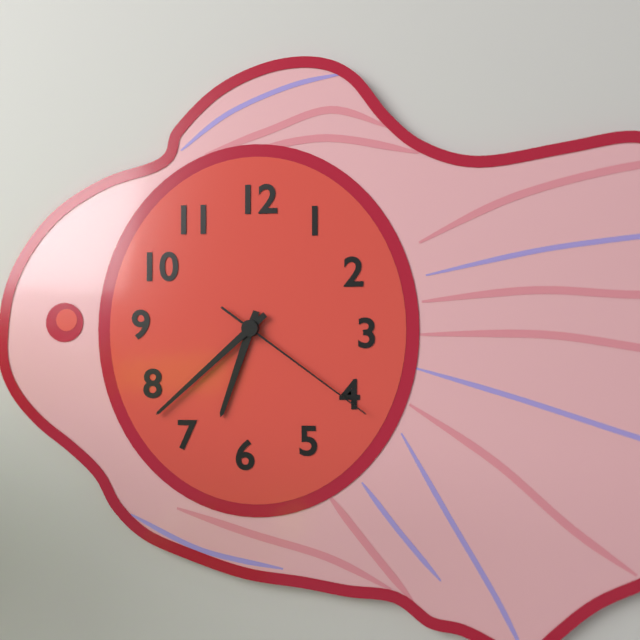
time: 6:38:21
